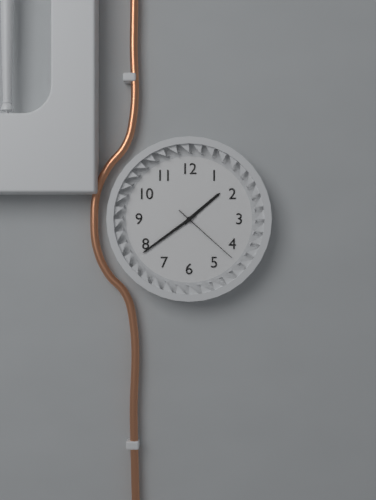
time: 1:39:22
